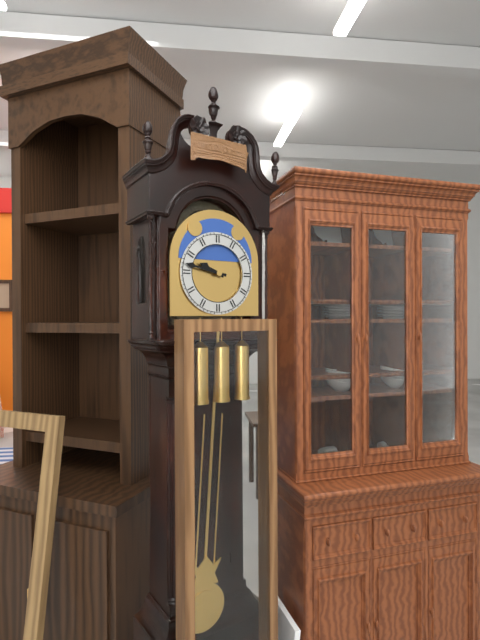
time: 9:47
